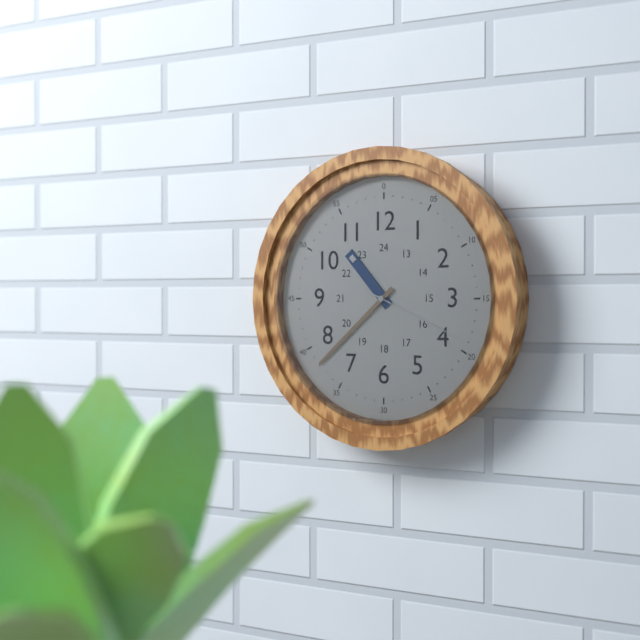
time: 10:38:19
